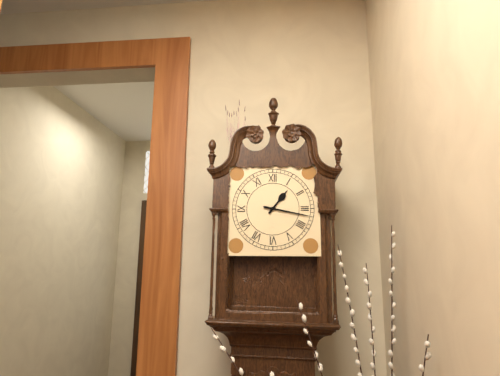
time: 1:17
